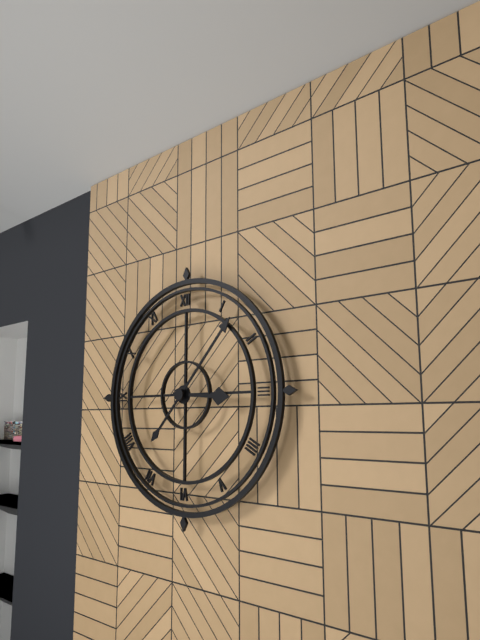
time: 3:07
